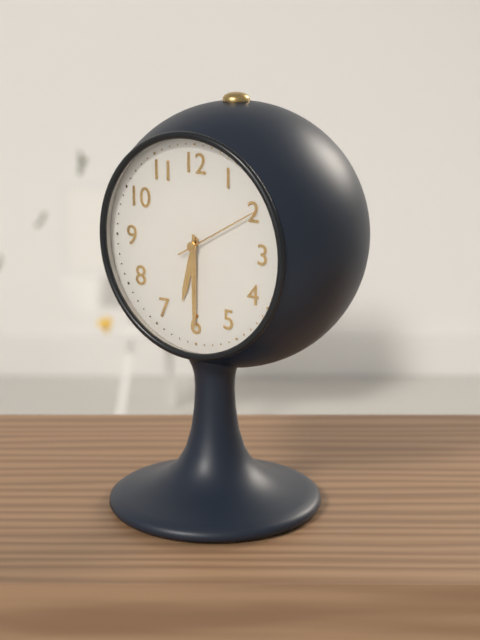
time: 6:30:10
